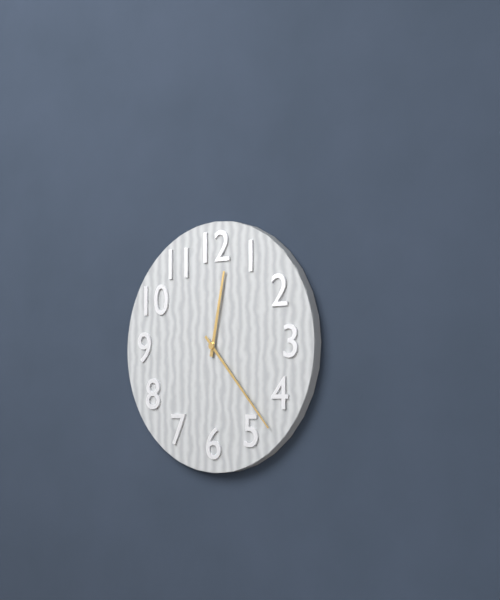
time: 12:23
